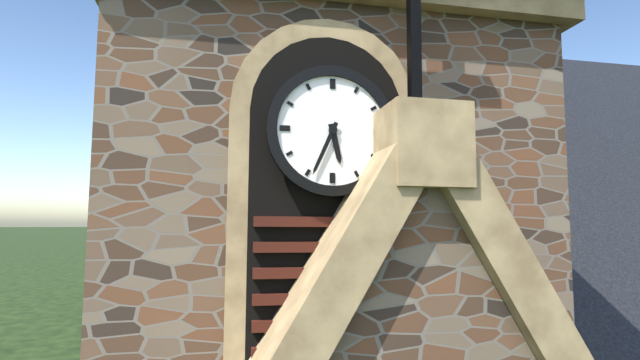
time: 5:34
